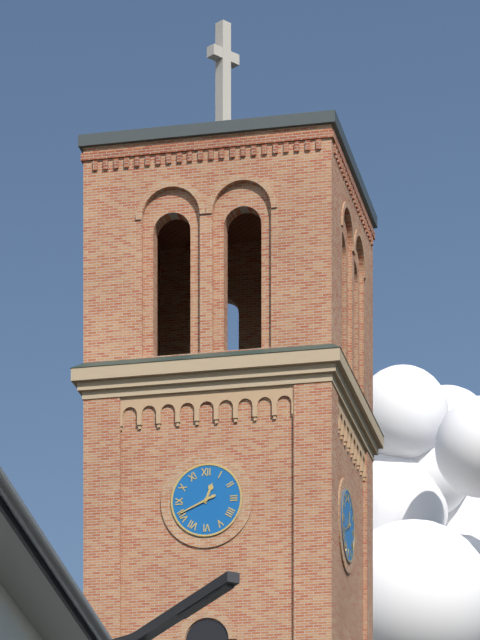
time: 12:41
